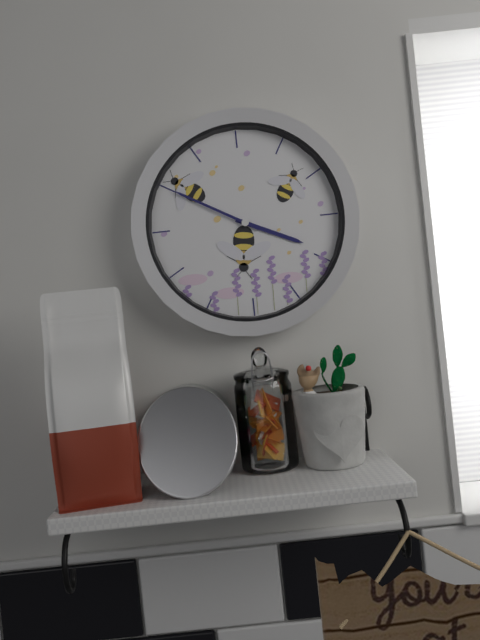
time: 3:50
